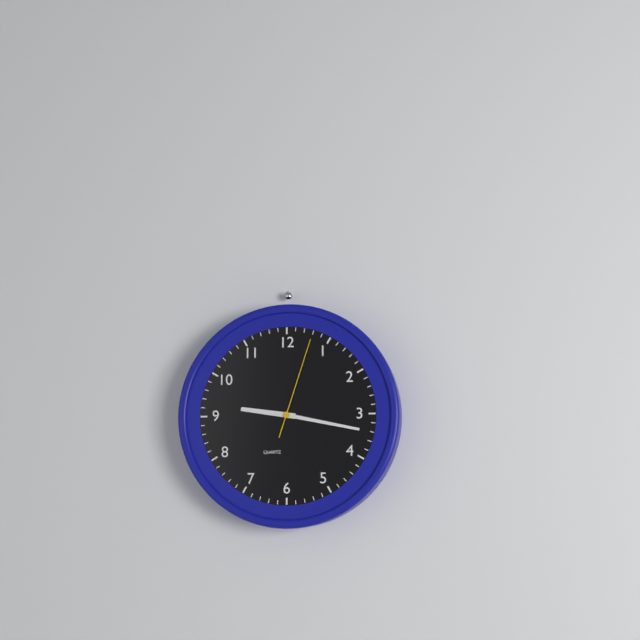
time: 9:17:03
